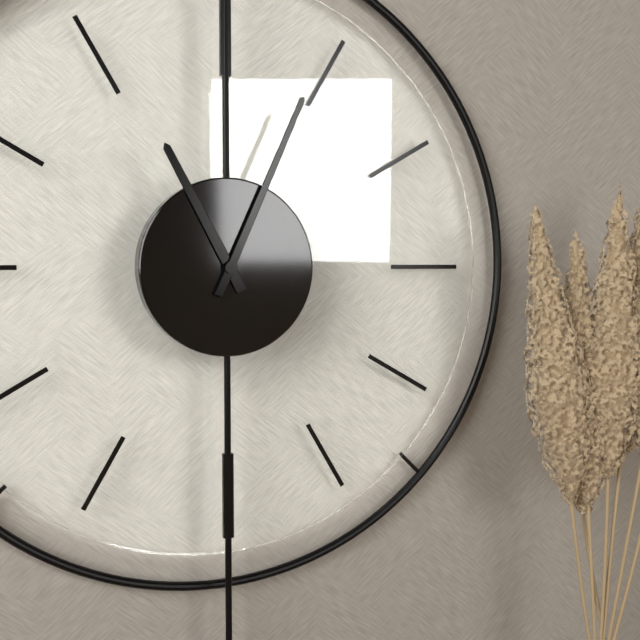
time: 11:04
